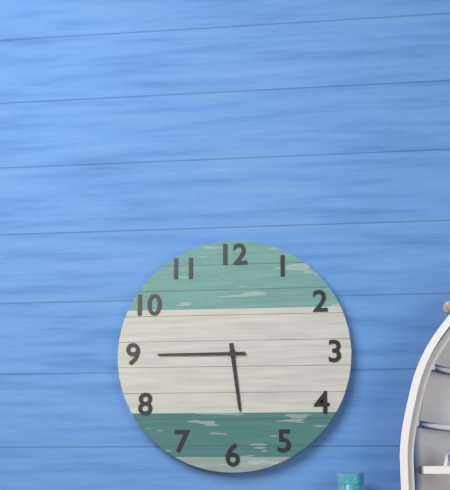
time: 5:45
